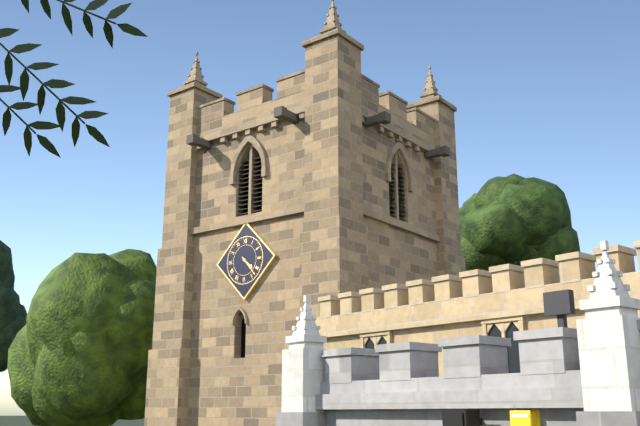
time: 4:23
